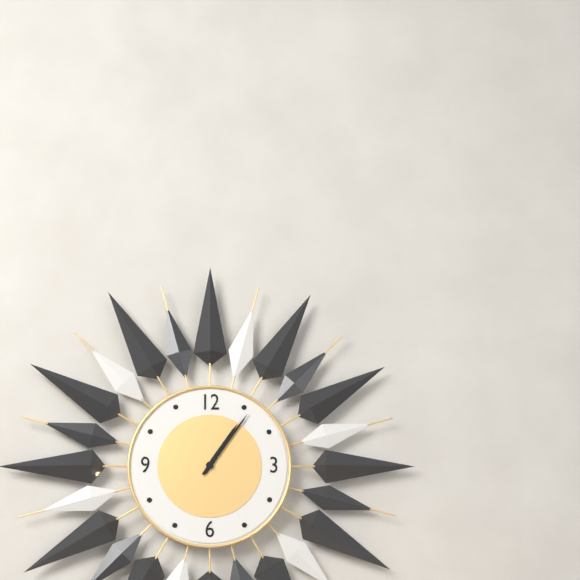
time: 1:06
